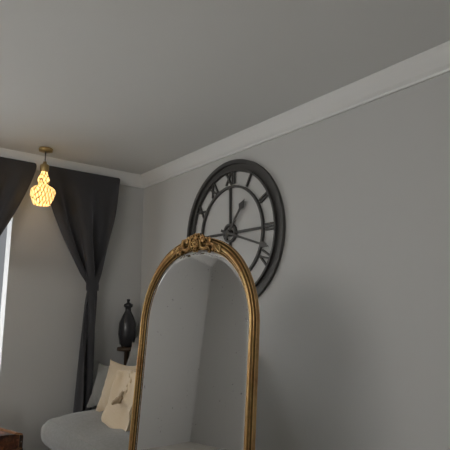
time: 1:18
